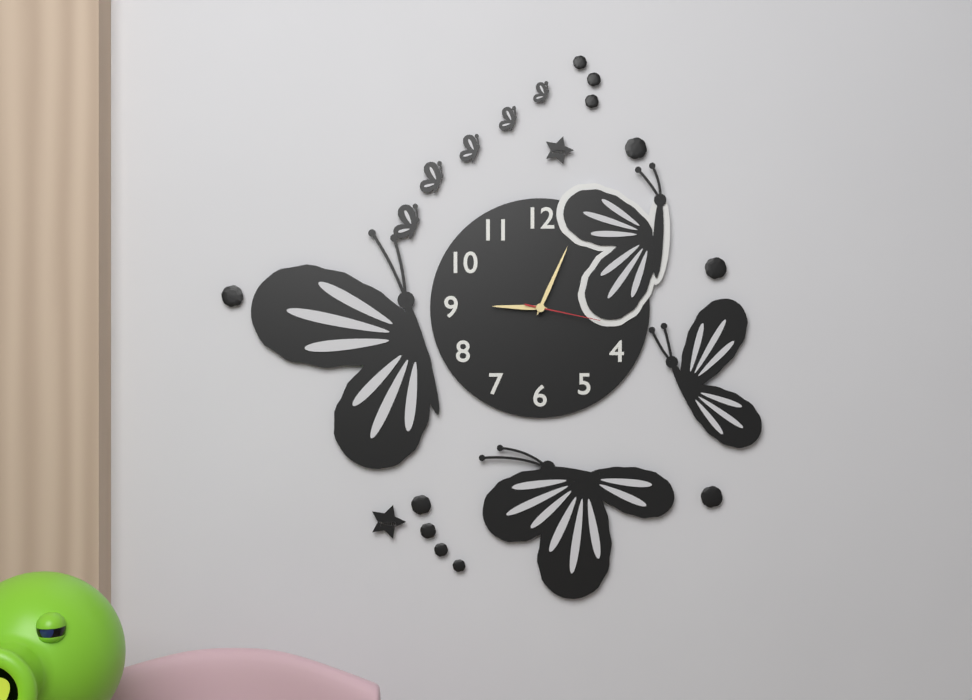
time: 9:04:17
